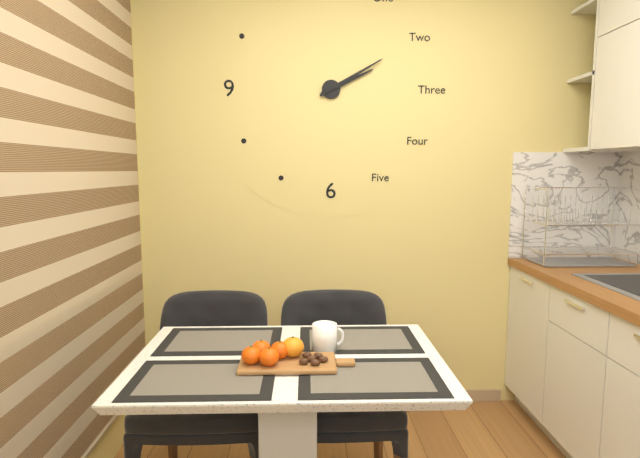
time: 2:10
